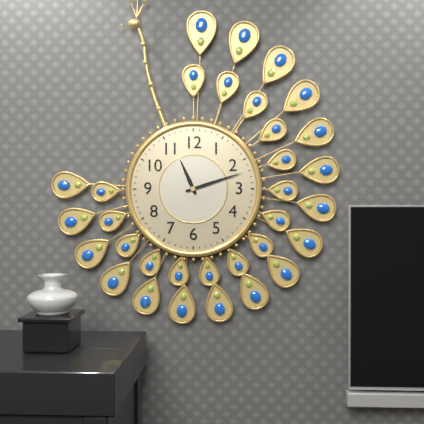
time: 11:12
